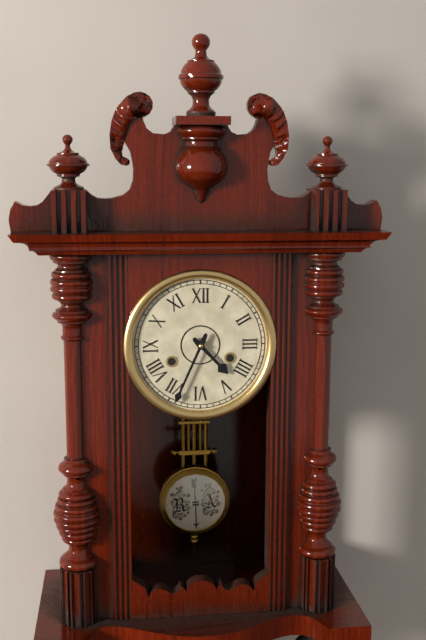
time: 4:34
